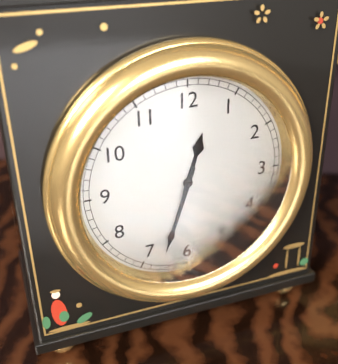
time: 12:33
